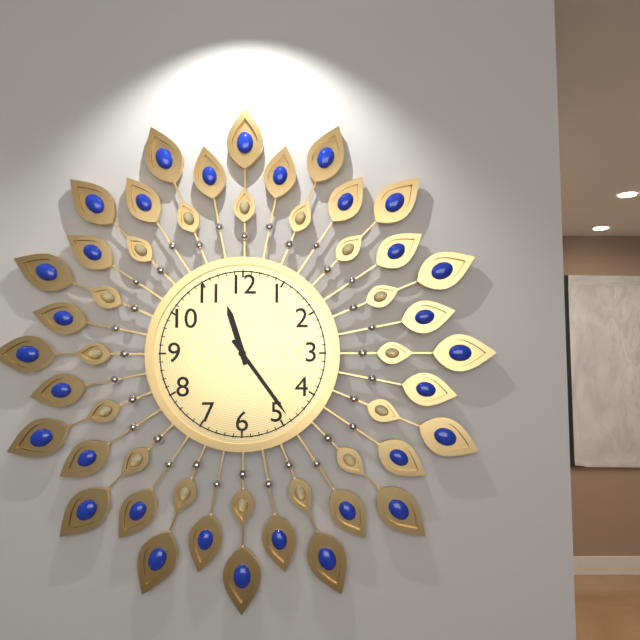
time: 11:24
